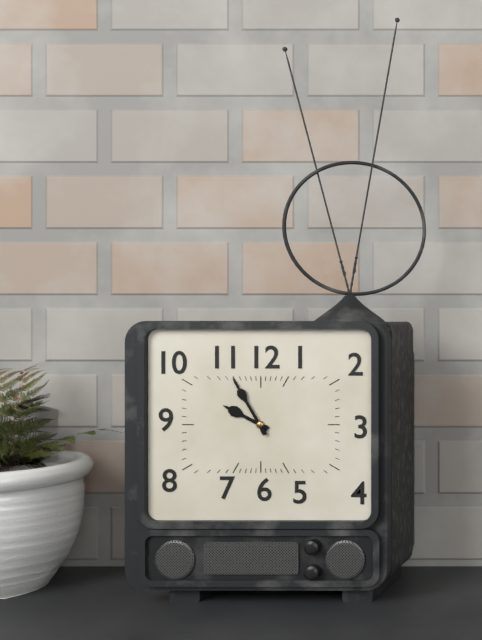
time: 9:55
